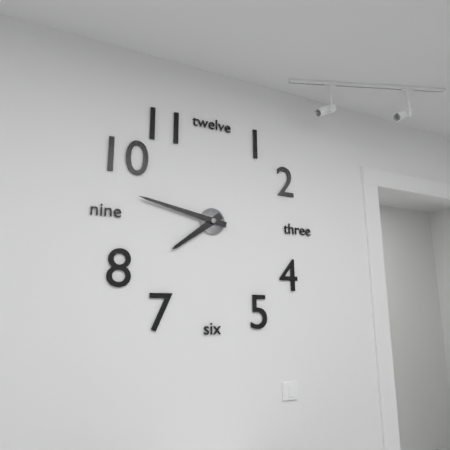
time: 7:47
